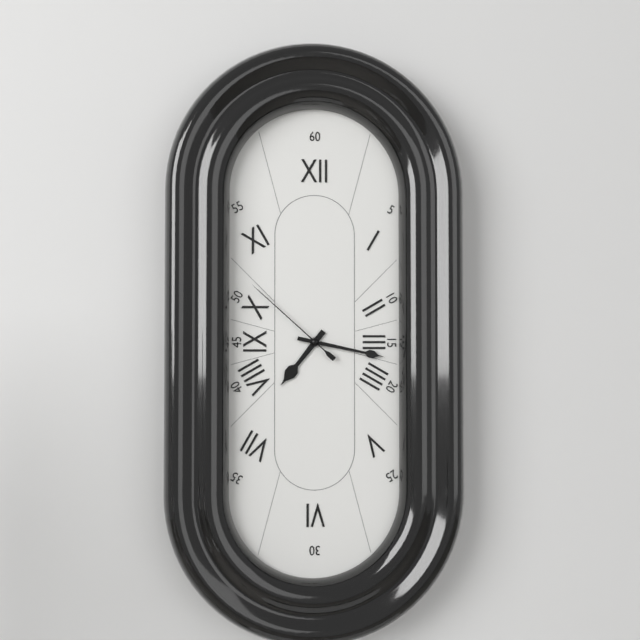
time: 7:17:52
